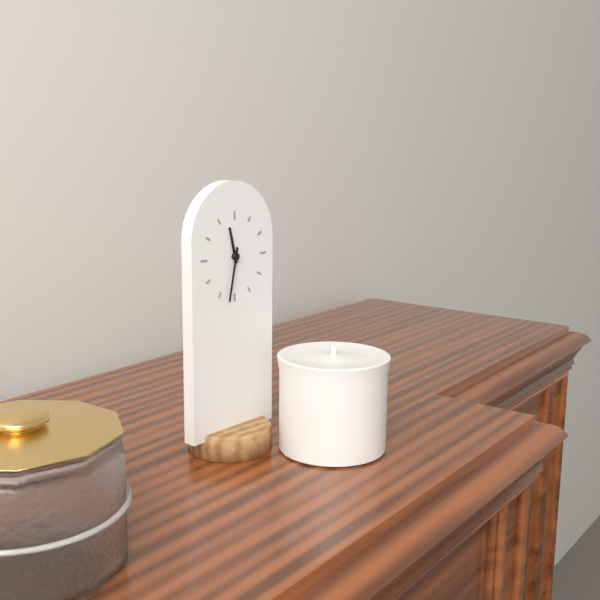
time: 11:32
